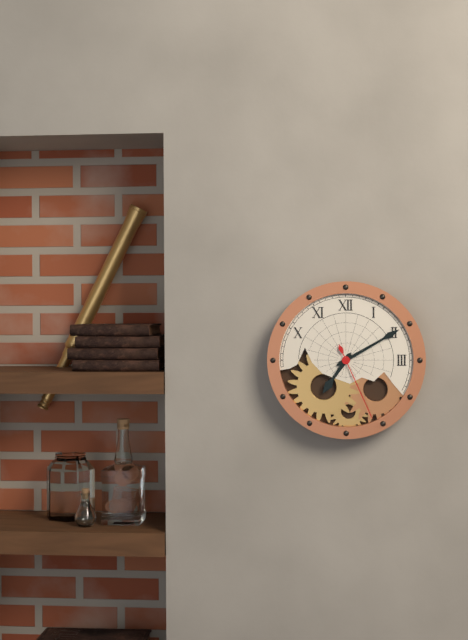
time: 7:10:26
